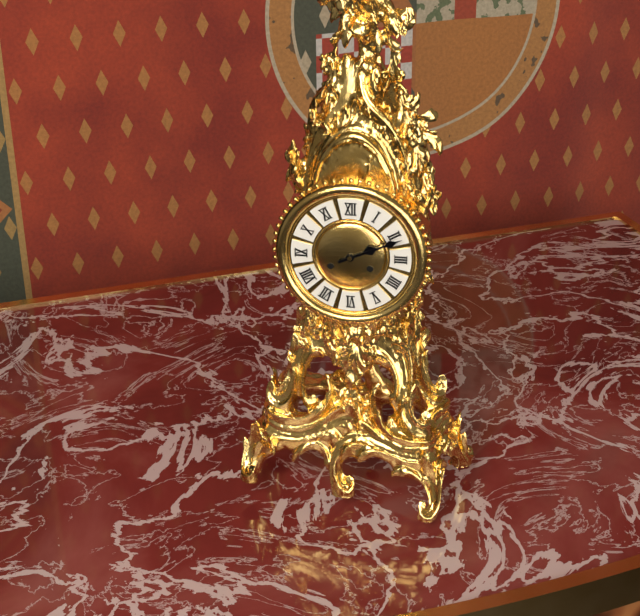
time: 2:11
